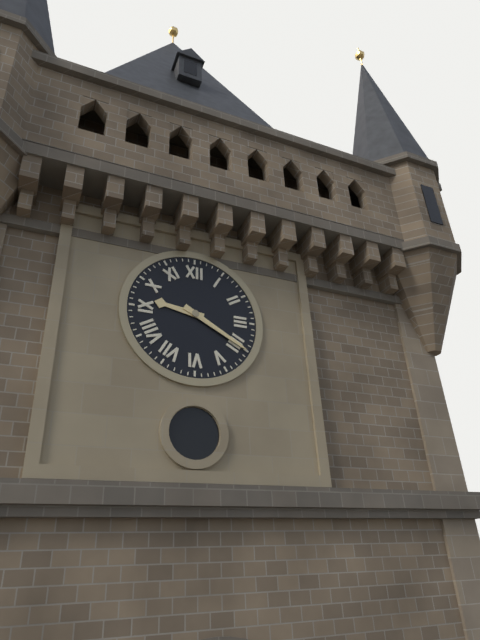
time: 9:20
